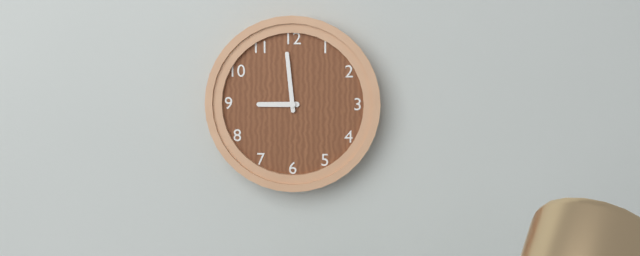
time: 8:59
